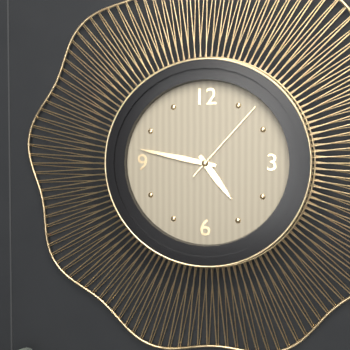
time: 4:47:07
